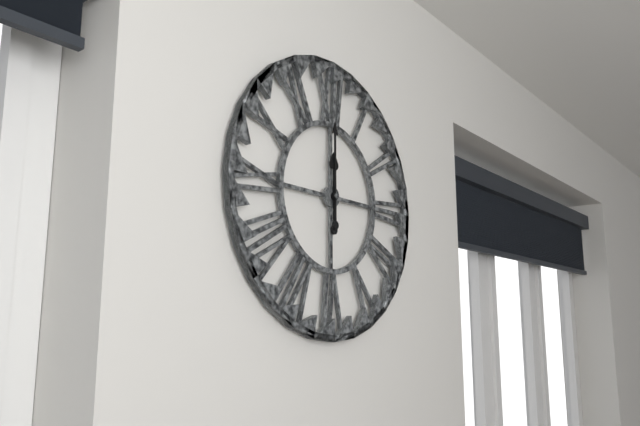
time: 12:00
